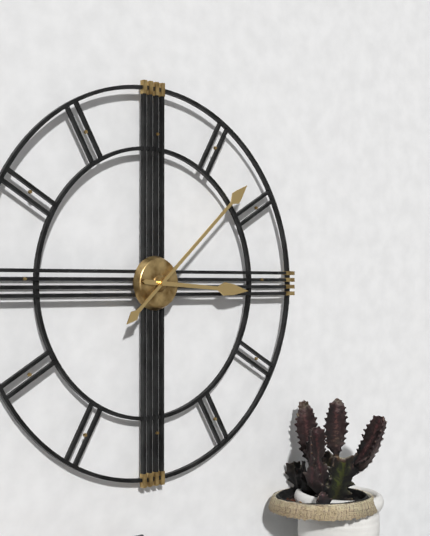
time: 3:08
